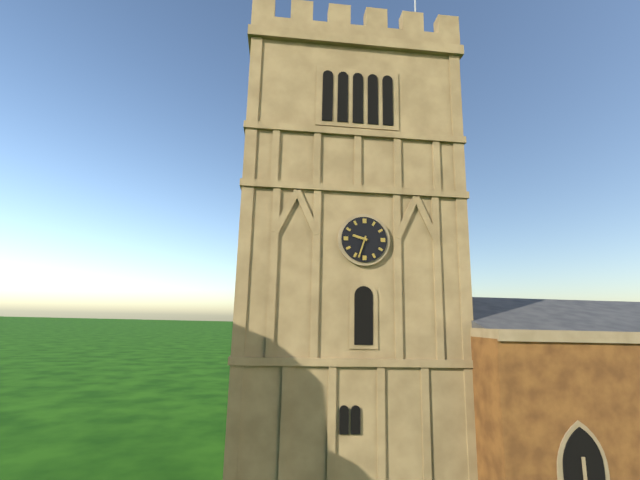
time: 9:33
